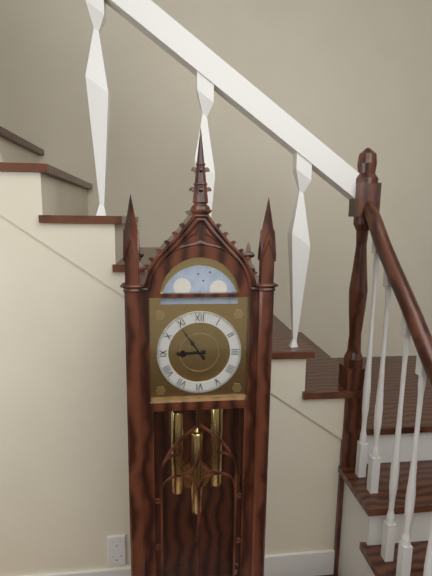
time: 8:54
